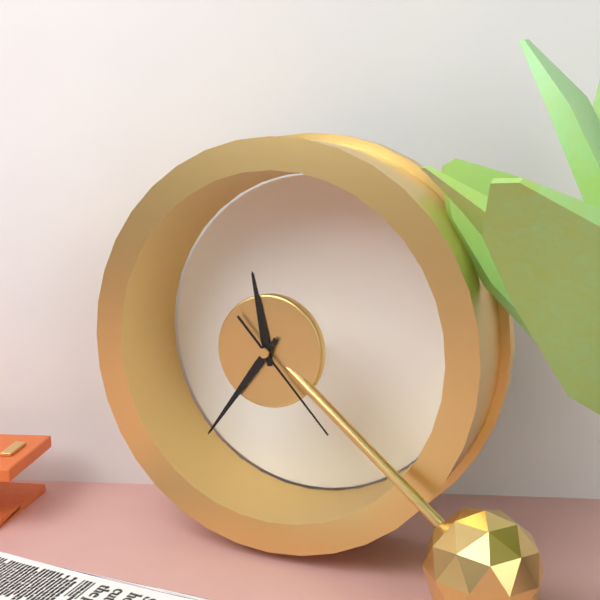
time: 11:36:23
